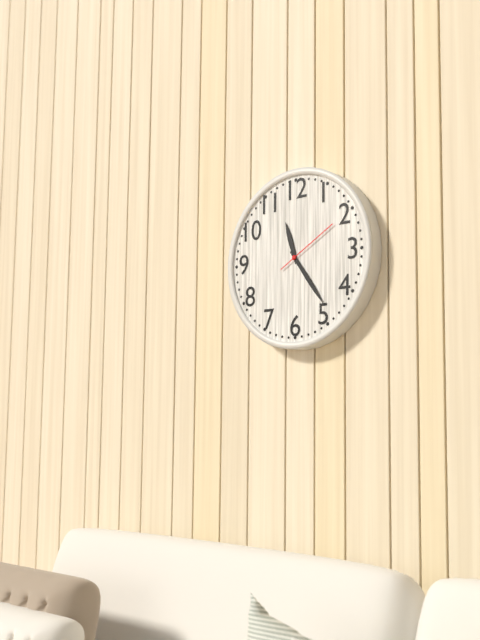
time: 11:24:10
